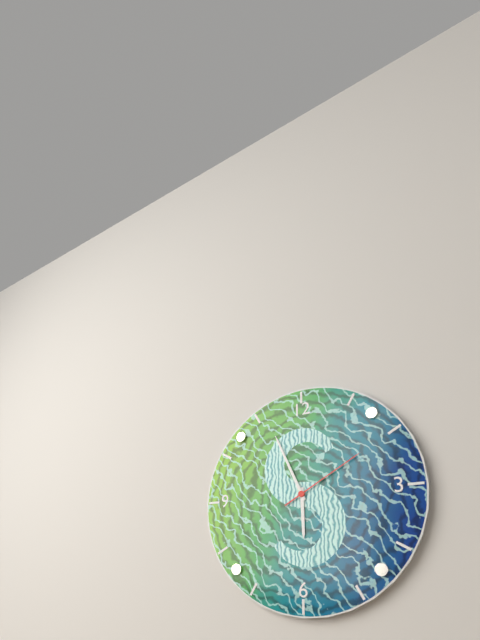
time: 5:56:10
